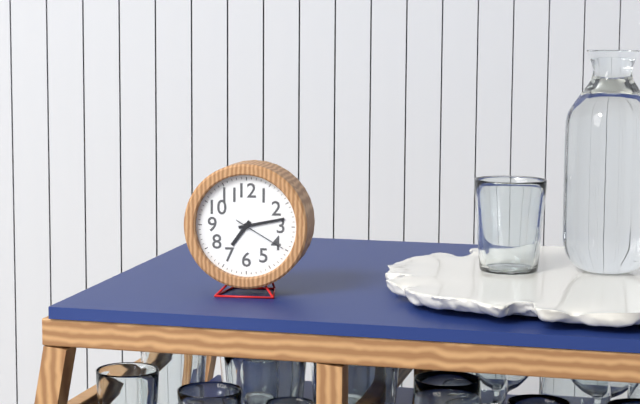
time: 7:13:20
